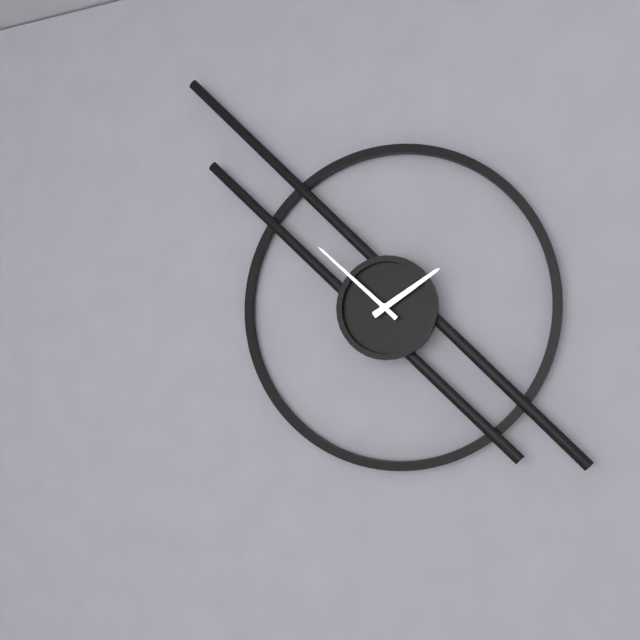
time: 1:52
